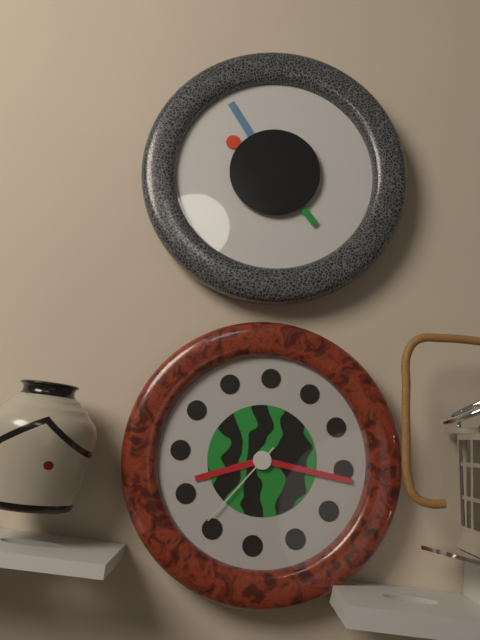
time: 8:16:36
